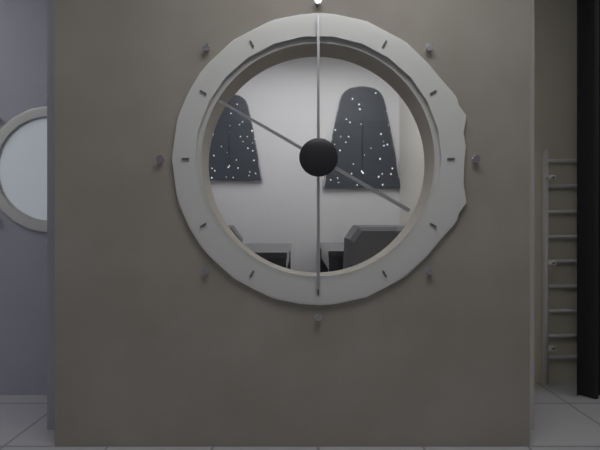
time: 10:00
